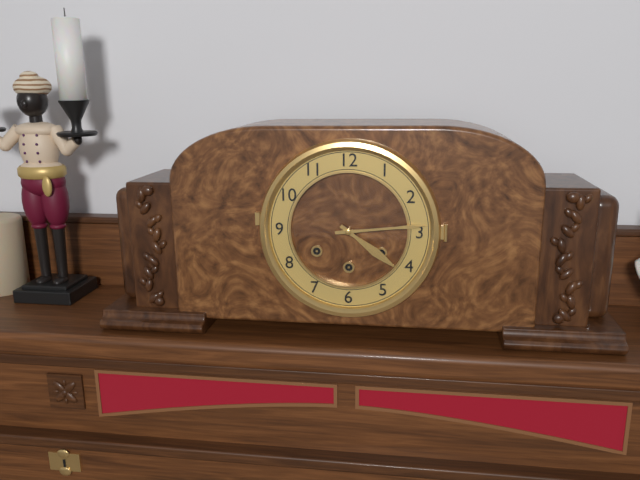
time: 4:14
